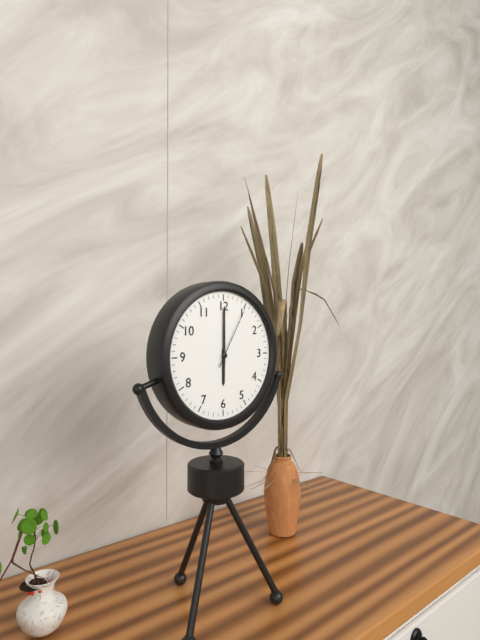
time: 6:00:05
